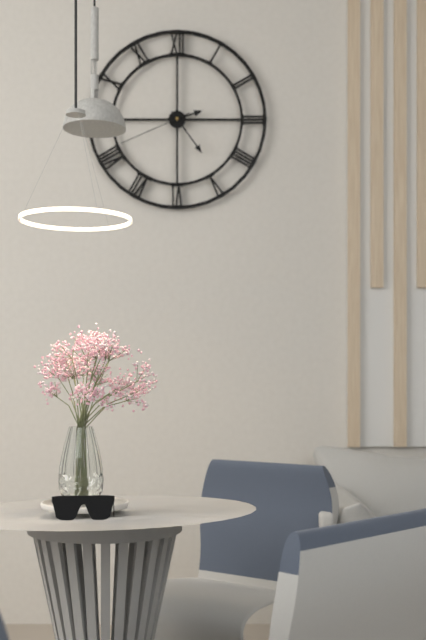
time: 2:24:41
